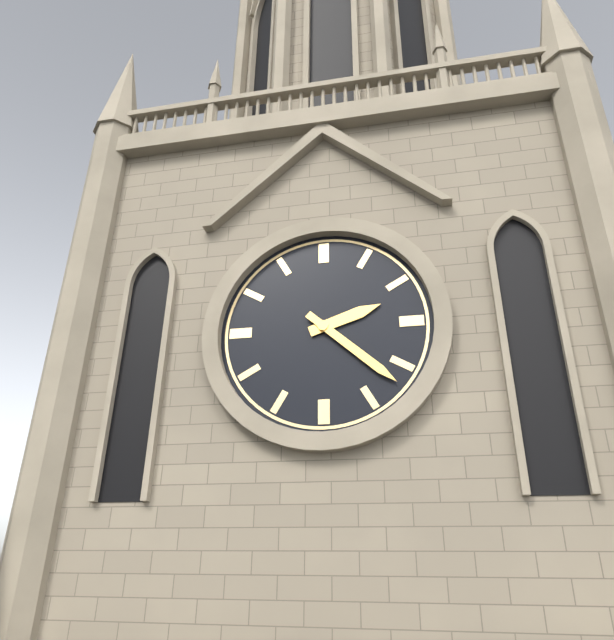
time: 2:22
